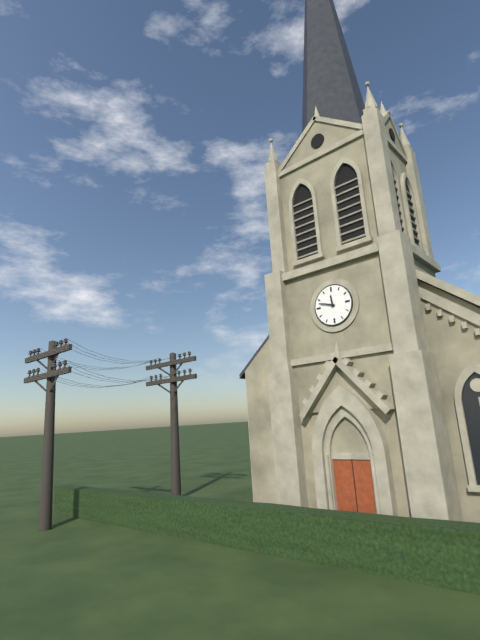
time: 11:48
